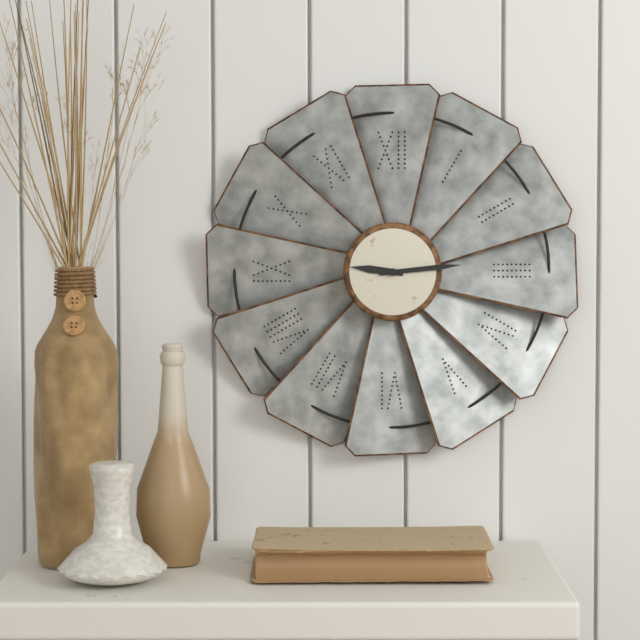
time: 9:14
